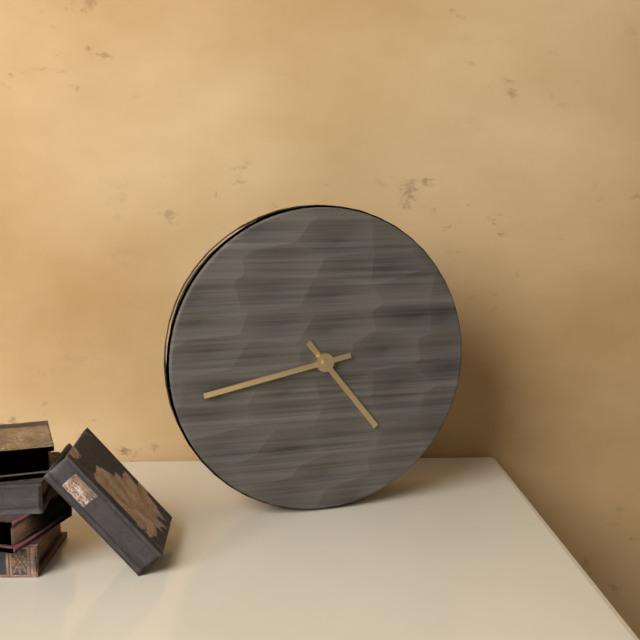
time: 4:43
